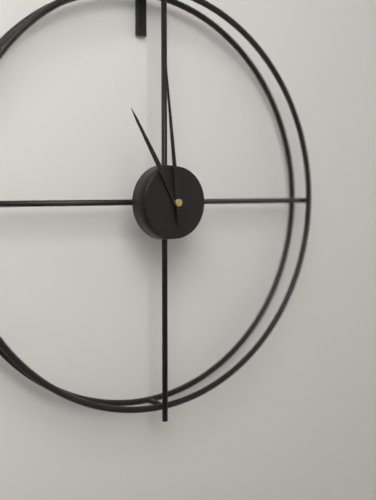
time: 10:59
